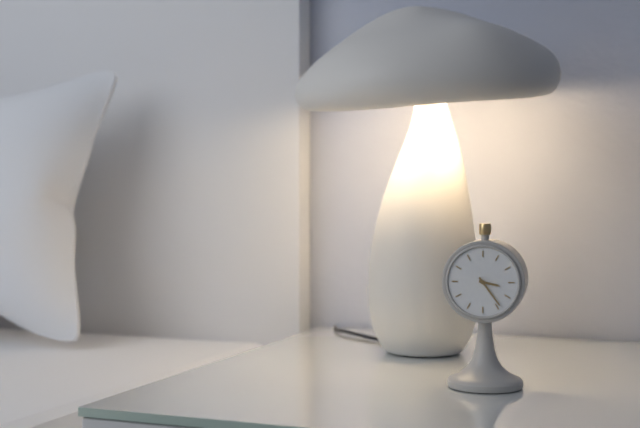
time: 3:24
